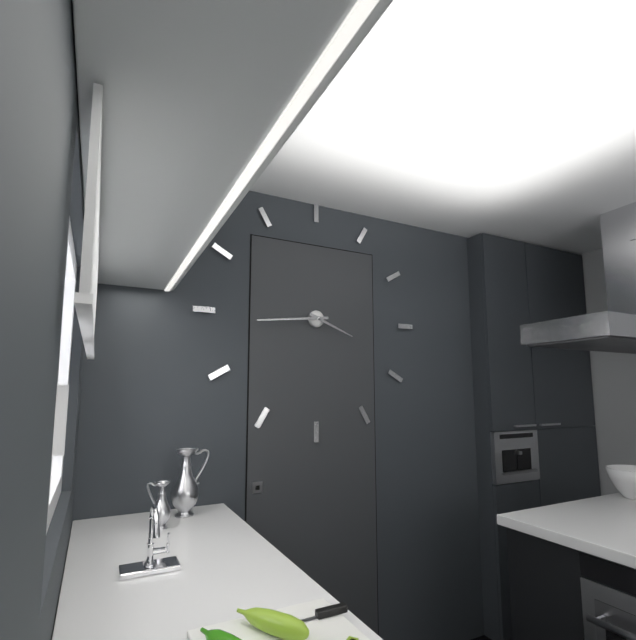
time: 3:44
